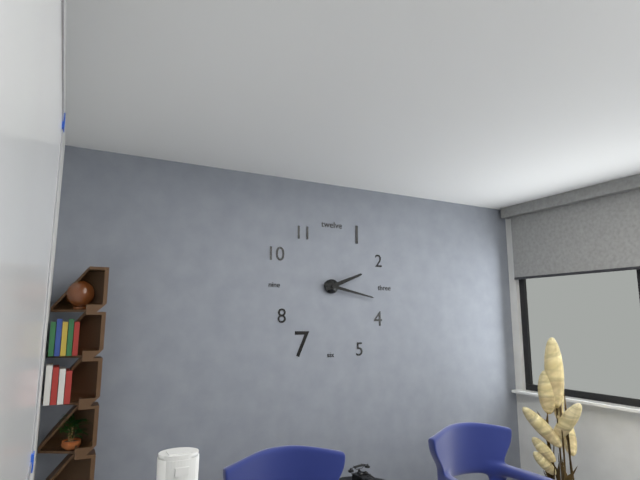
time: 2:17
